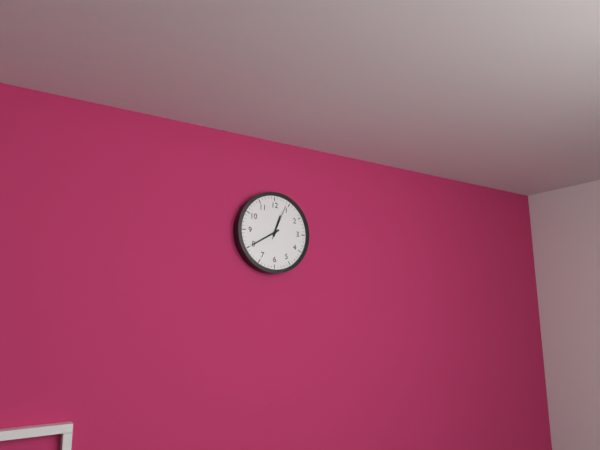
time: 12:40
